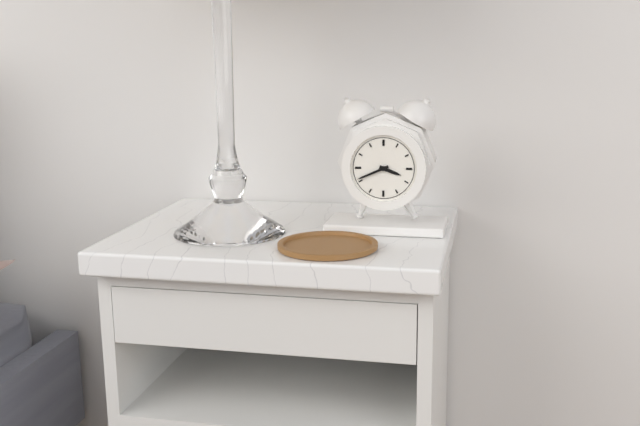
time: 3:41
